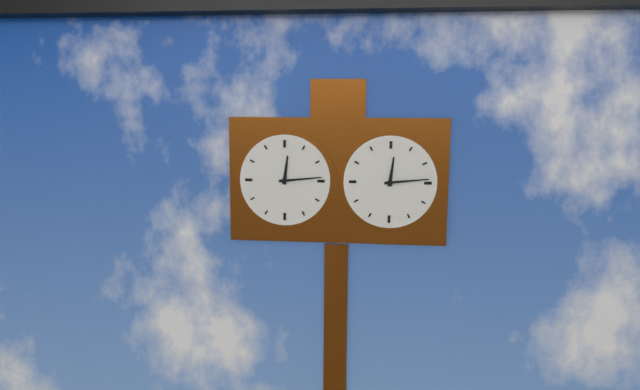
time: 12:14
